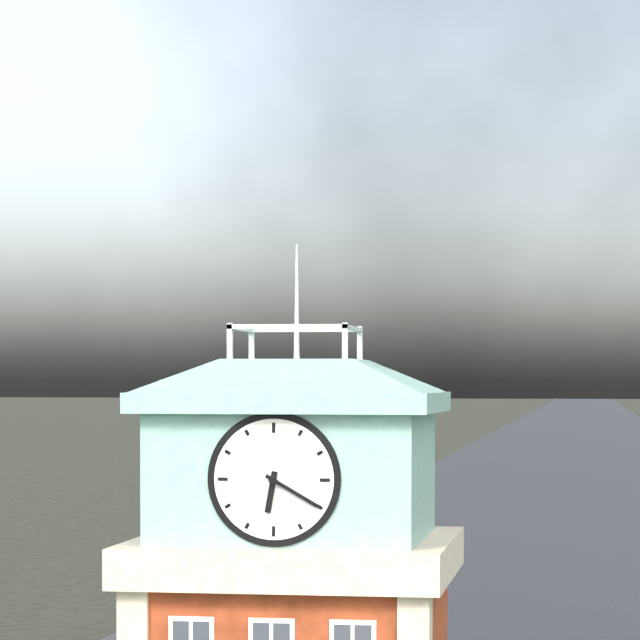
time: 6:20
